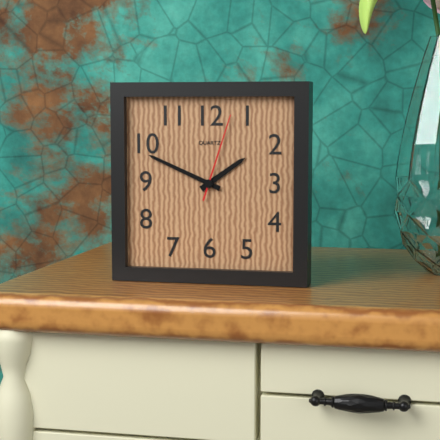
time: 1:49:03
